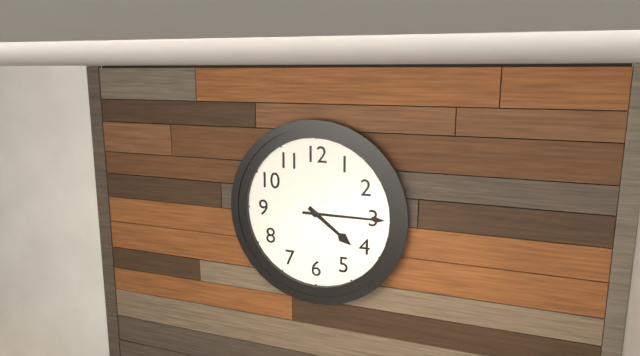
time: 4:15
